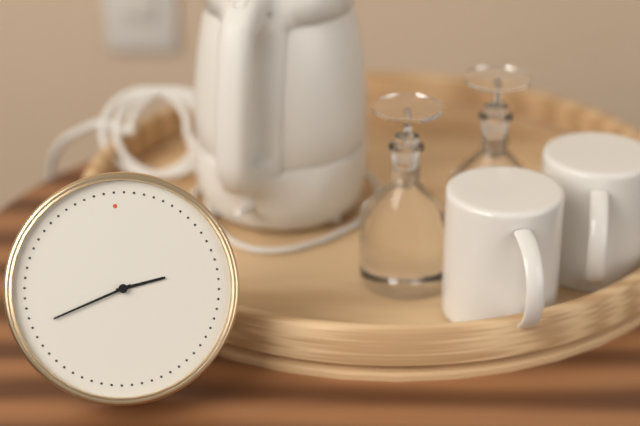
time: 2:42
